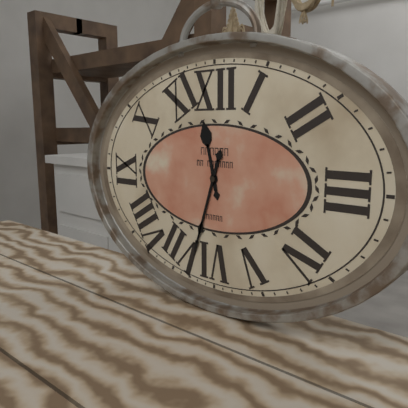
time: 11:33
